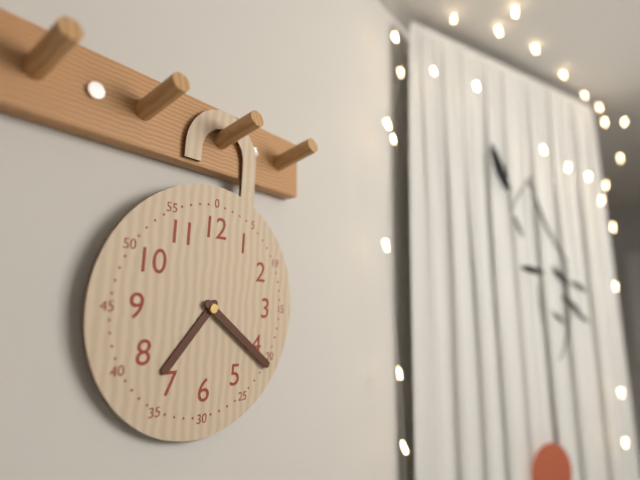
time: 7:21
